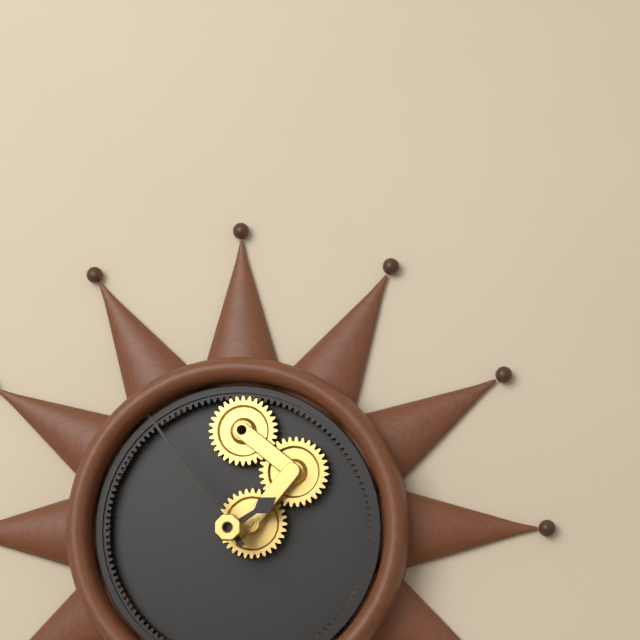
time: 1:54
